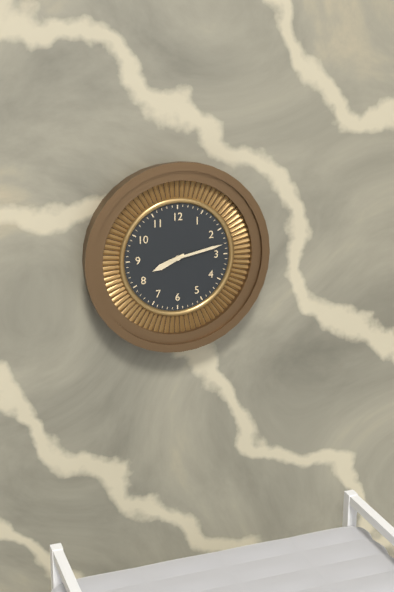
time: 8:13
